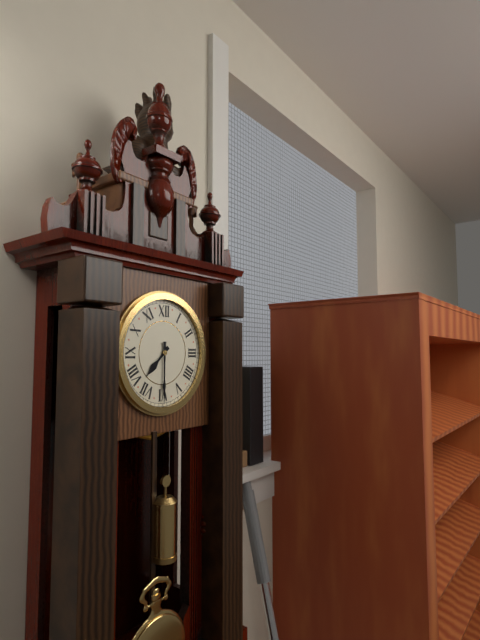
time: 7:30
